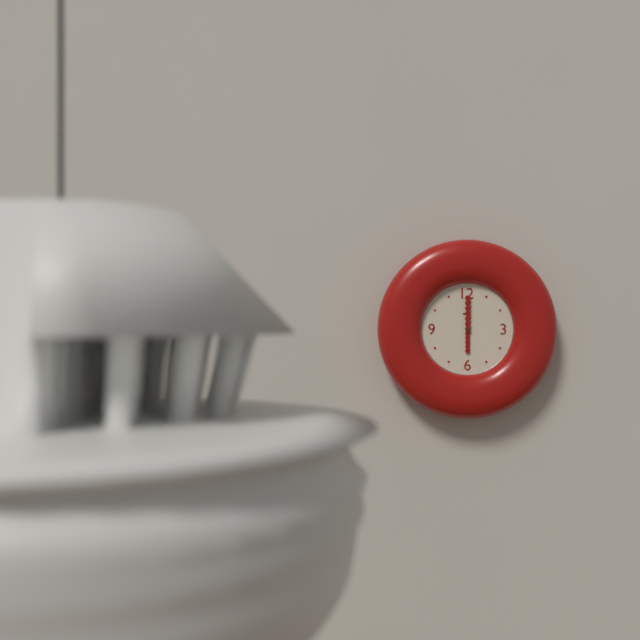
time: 6:00
